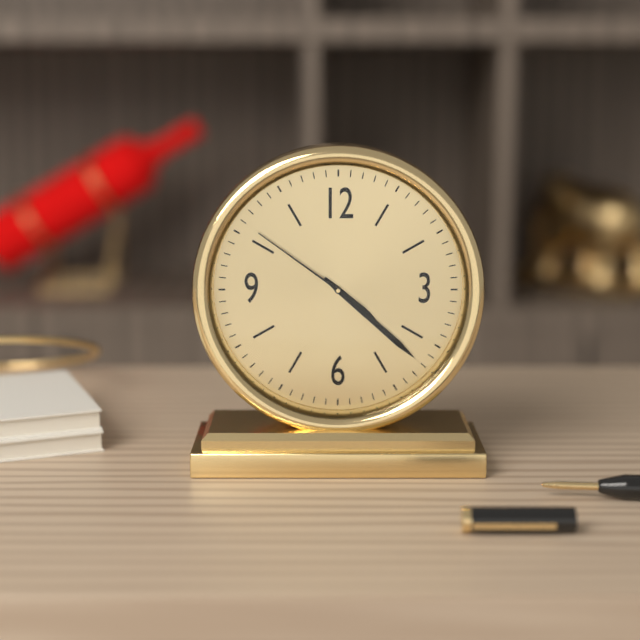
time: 4:22:51
